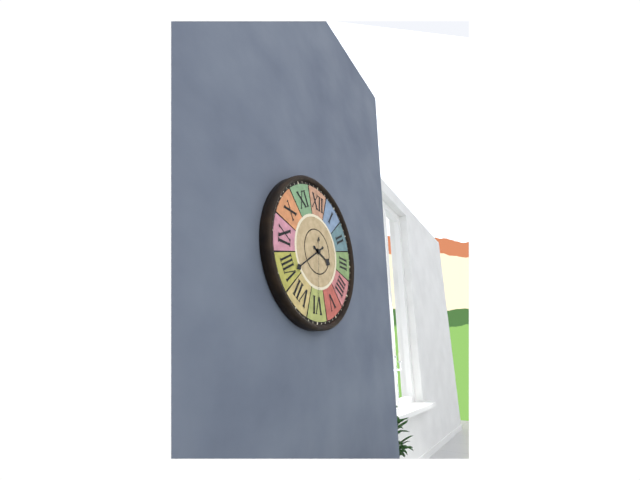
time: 3:39:30
